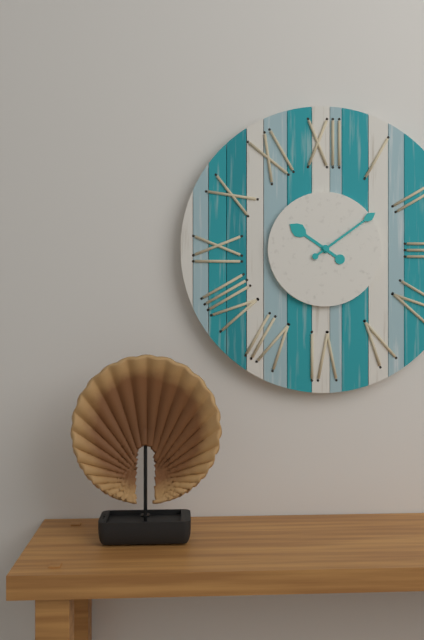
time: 10:09
